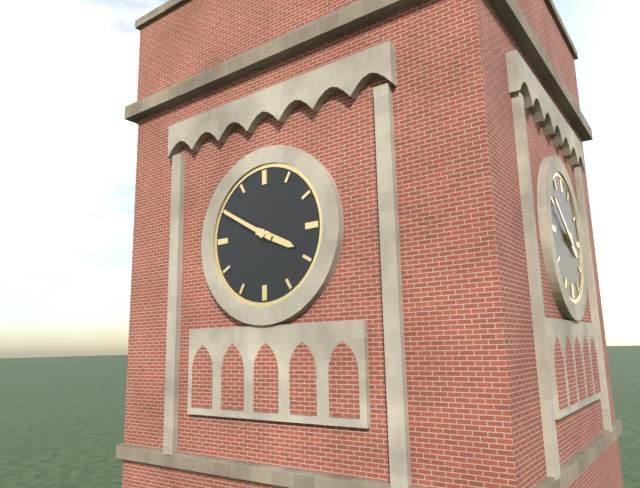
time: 3:50
